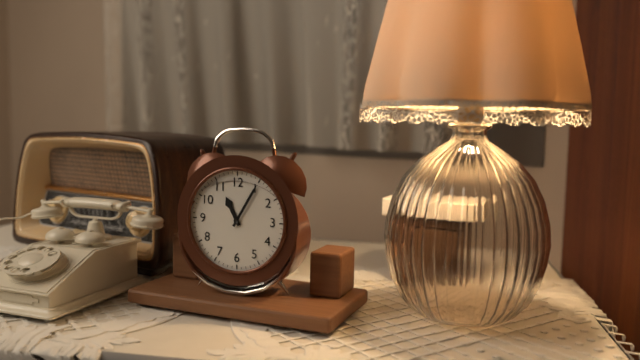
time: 11:05
